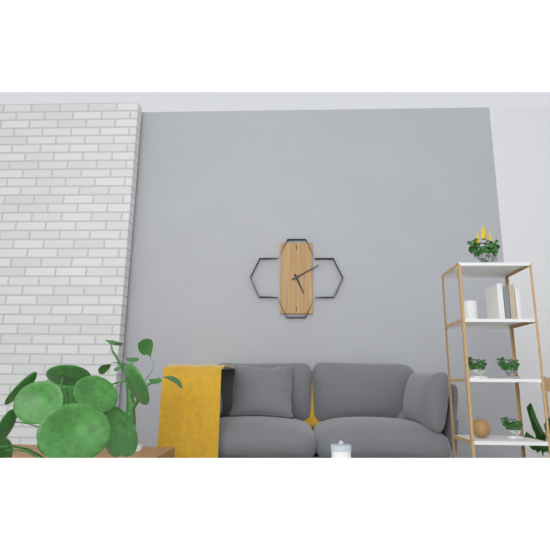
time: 5:10
